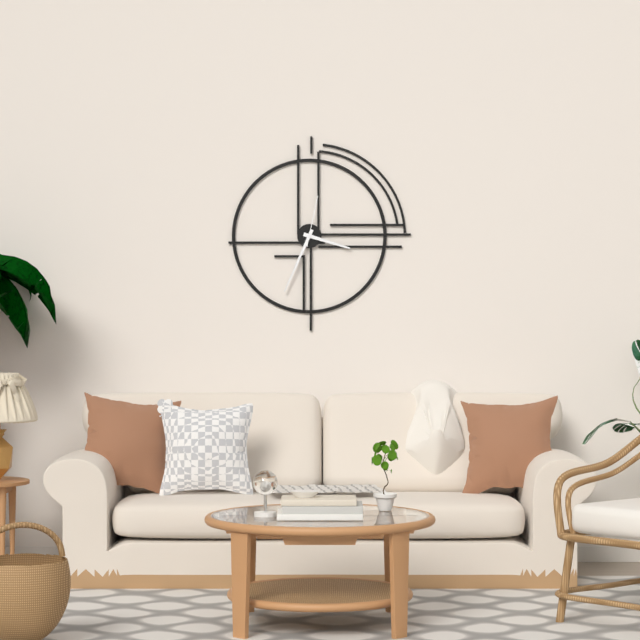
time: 3:34:02
